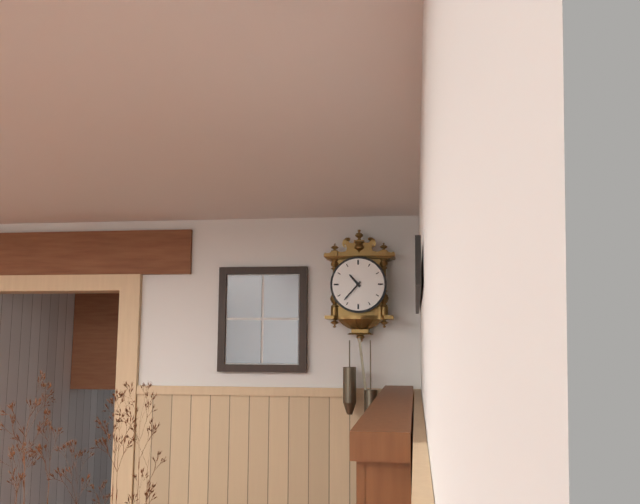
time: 10:37
